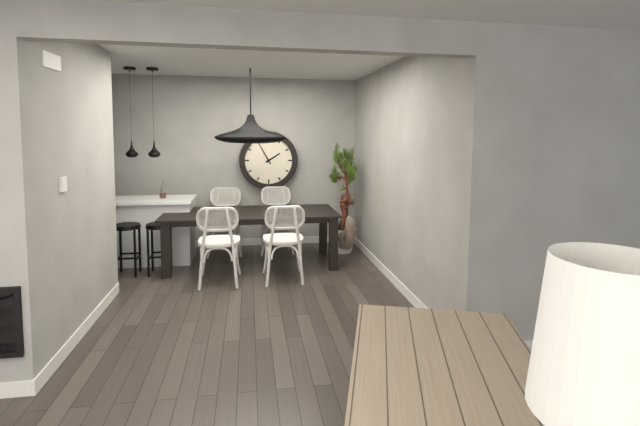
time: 1:55
